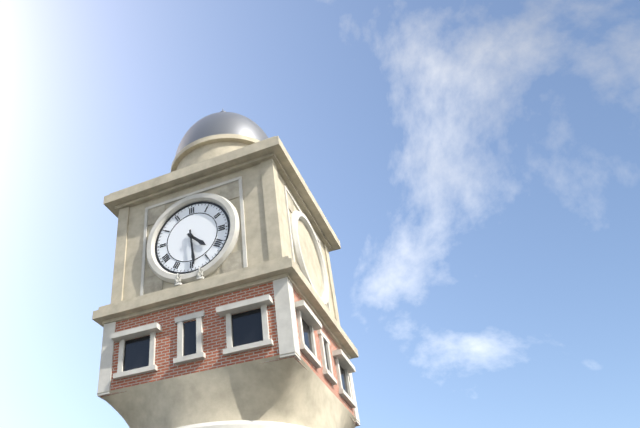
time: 4:29
